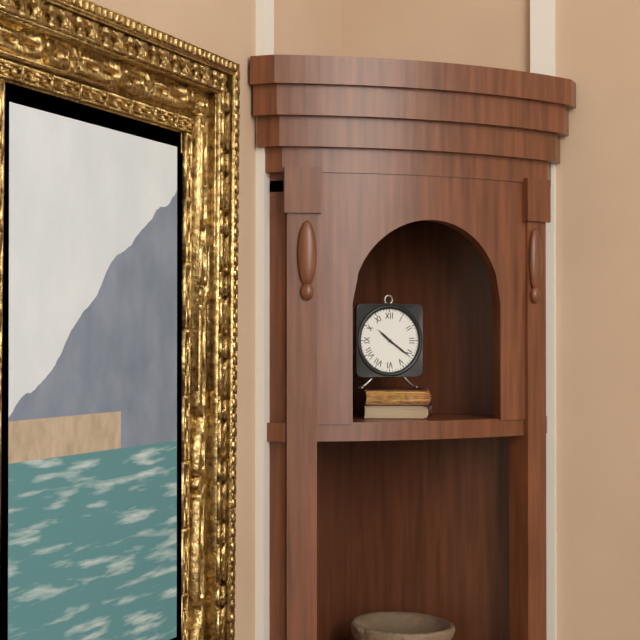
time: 10:21
